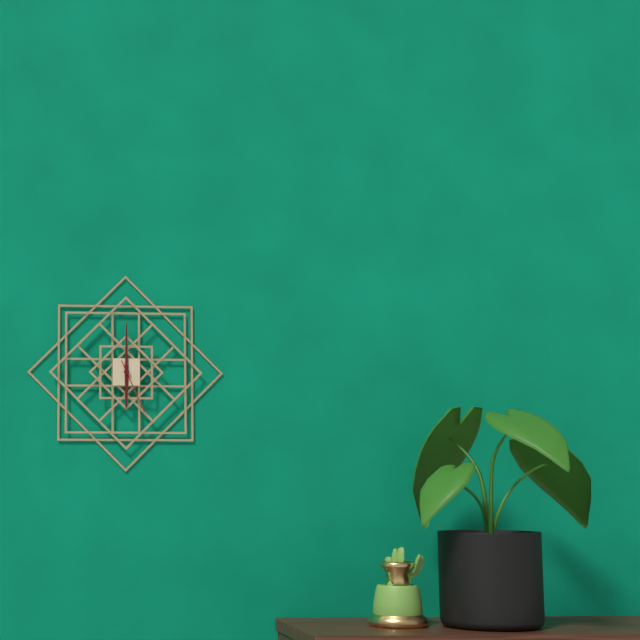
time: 6:00:26
